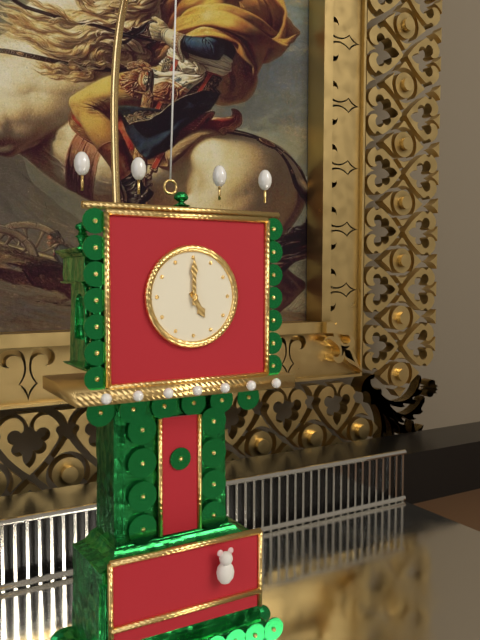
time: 5:00
